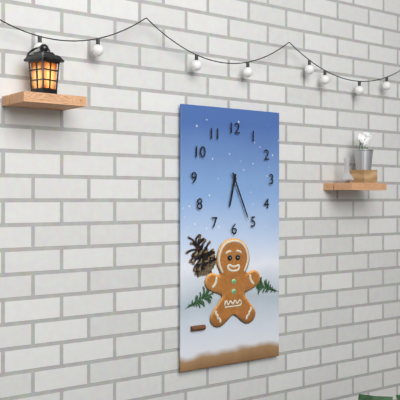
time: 6:26
